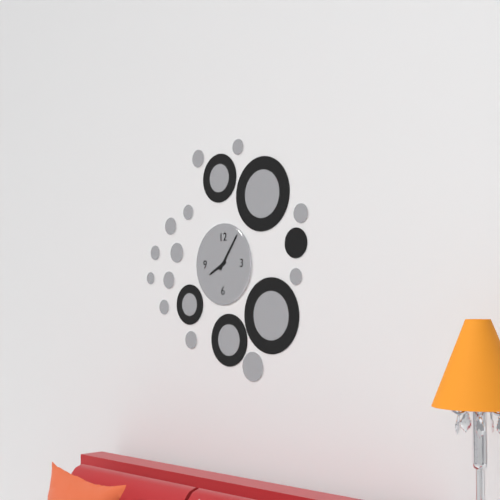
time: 8:06
